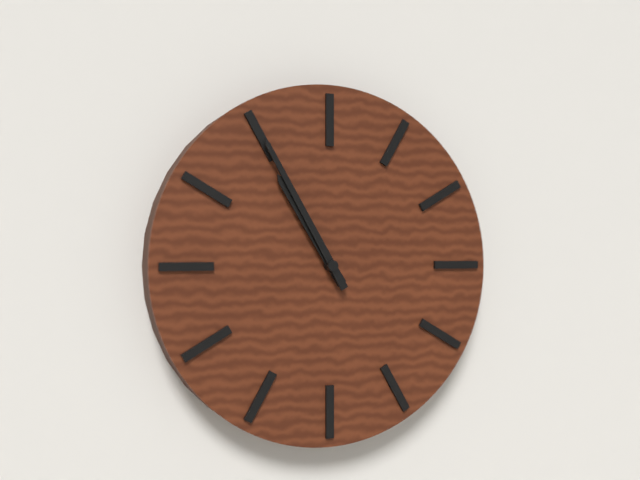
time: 10:55
